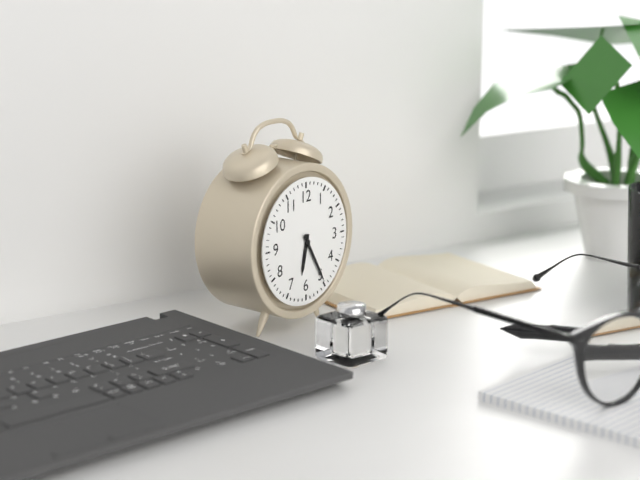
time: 6:25
